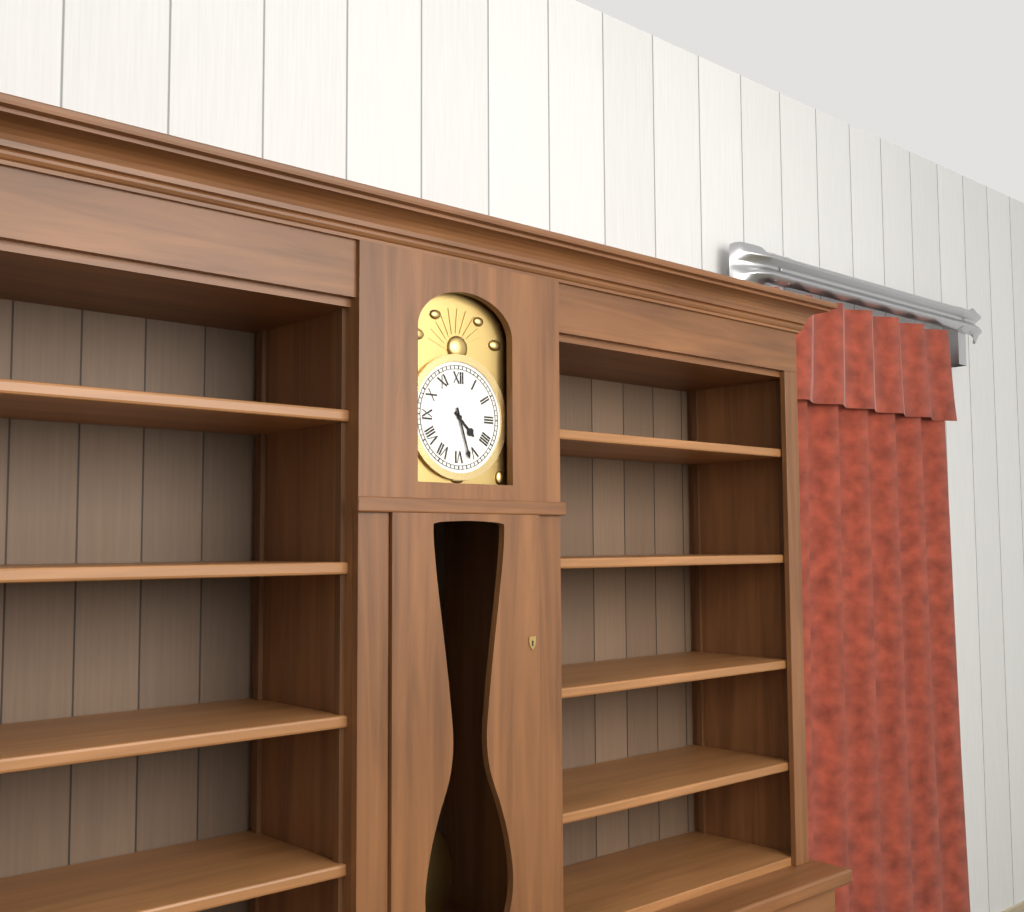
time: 4:27
